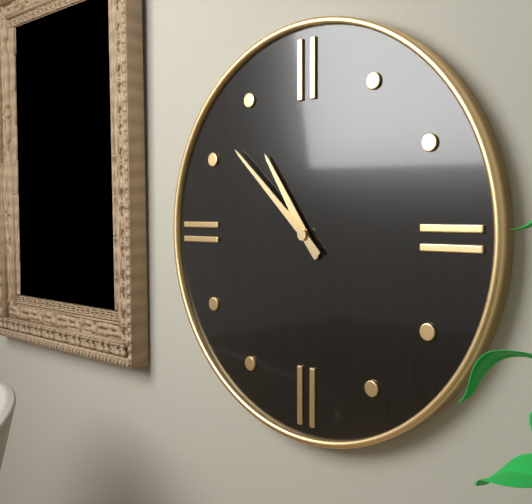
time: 10:52
